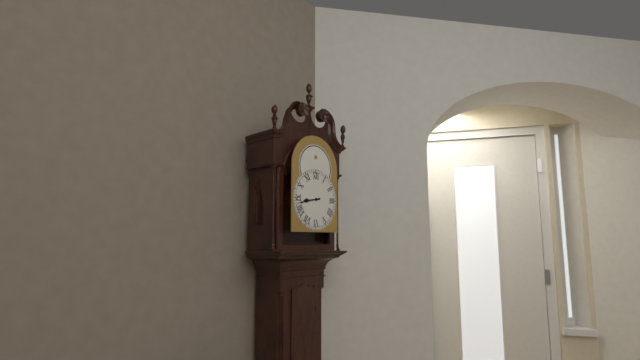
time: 8:43
